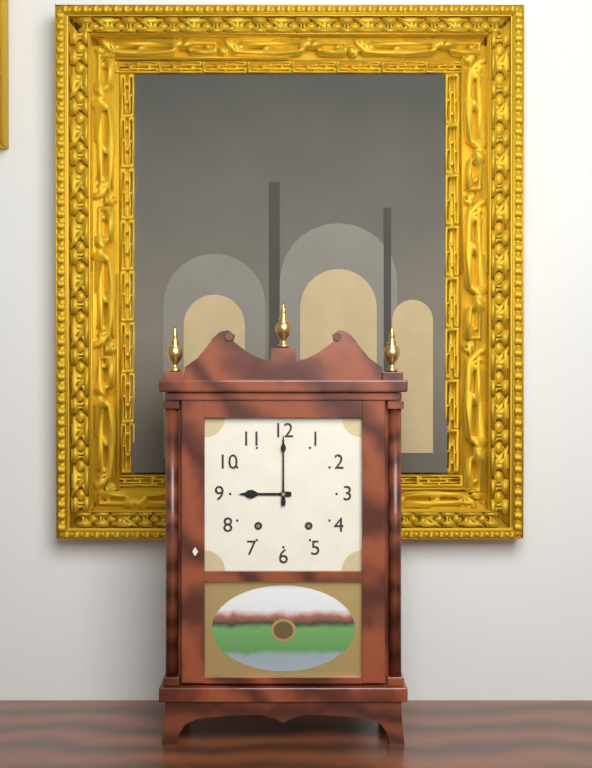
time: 9:00
